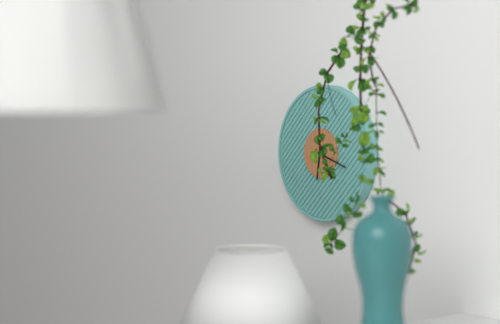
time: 6:18
